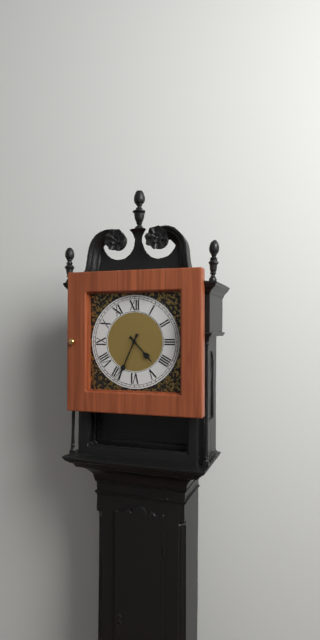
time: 4:34
